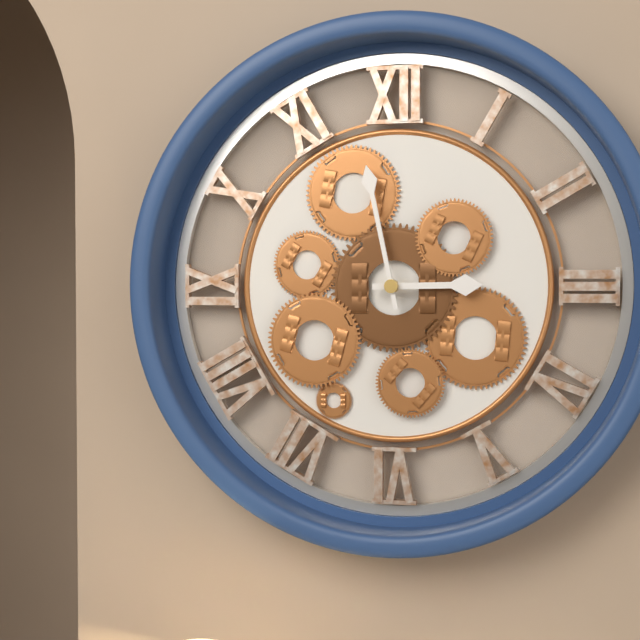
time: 2:58
